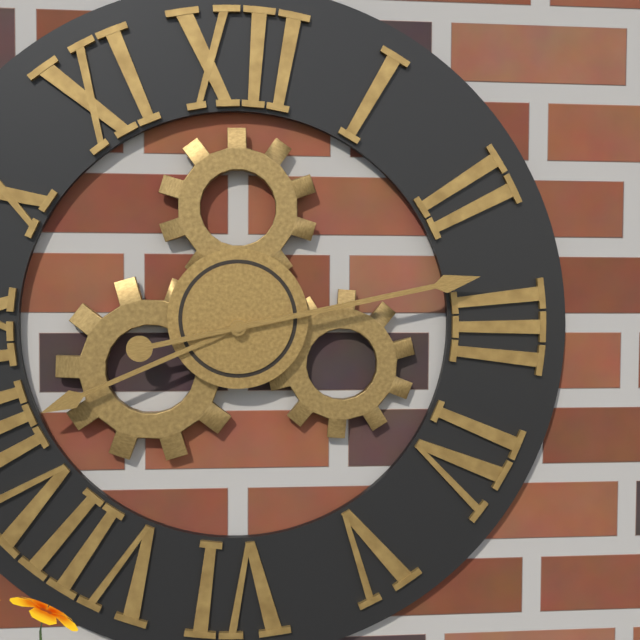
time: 8:13
